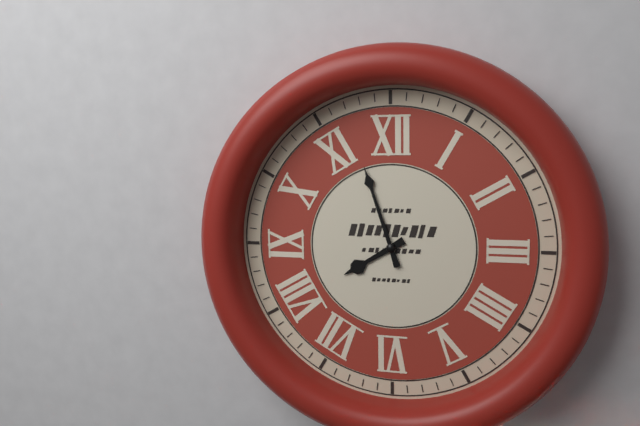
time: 7:57
